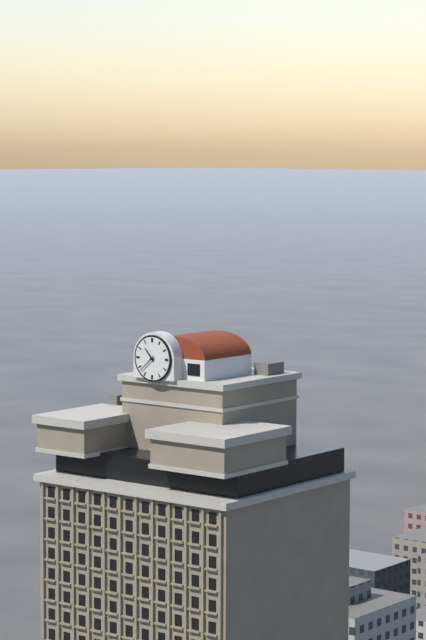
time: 10:38
